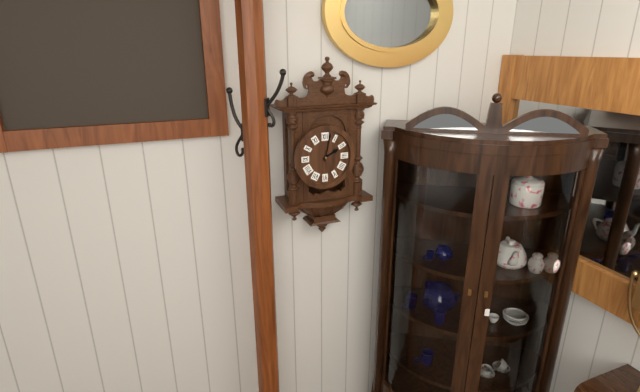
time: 2:02
